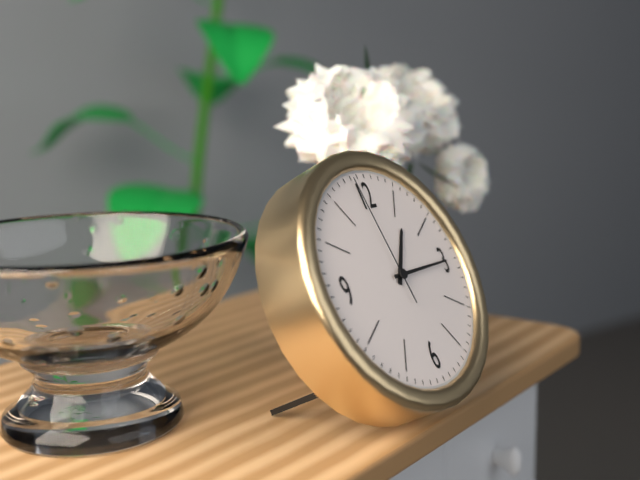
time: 1:15:59
